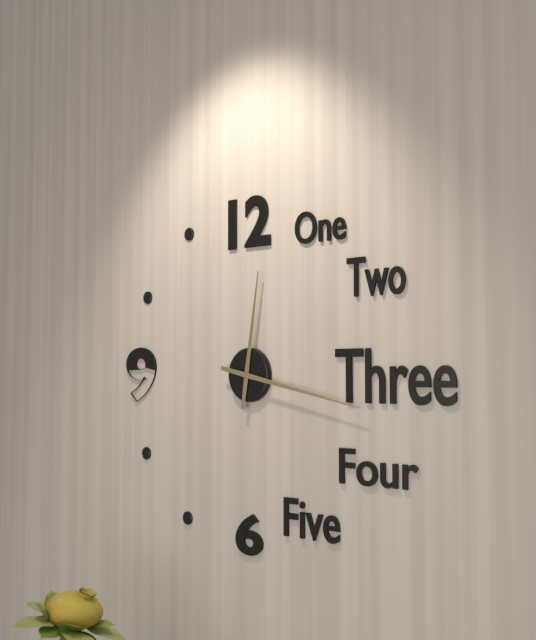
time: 12:17
